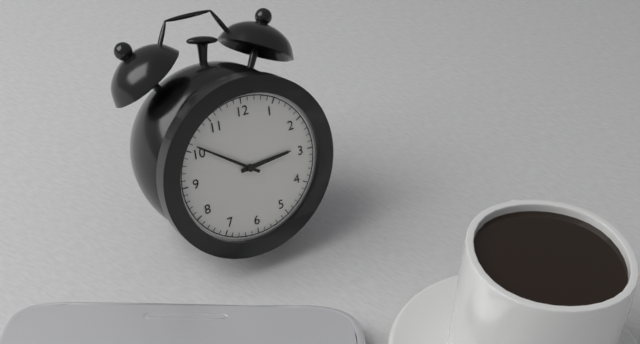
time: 2:51
